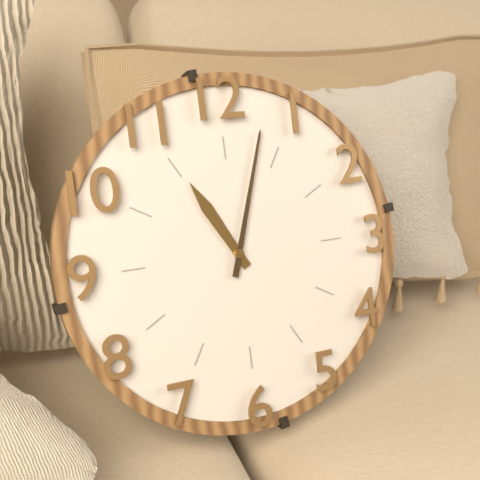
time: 11:03
